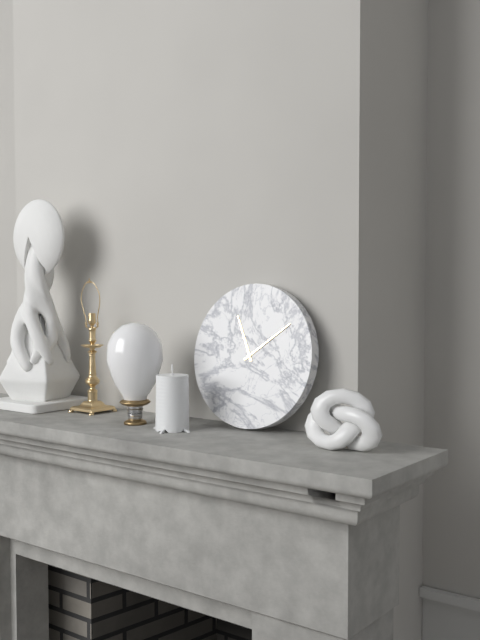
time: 11:09
